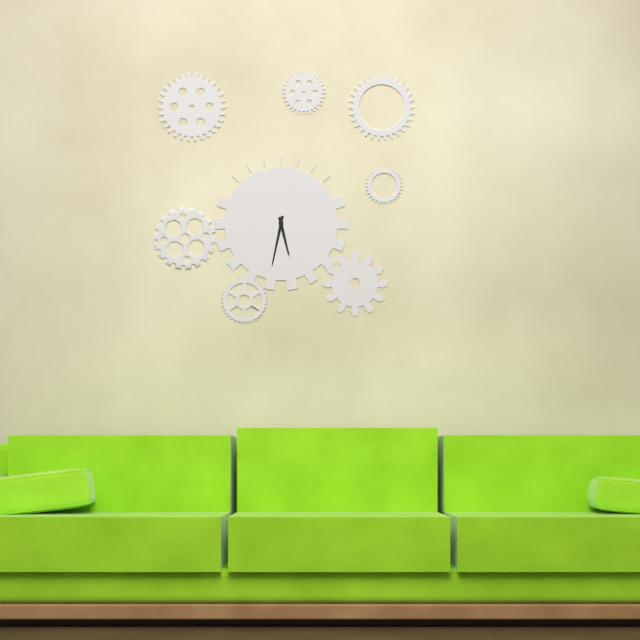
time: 5:32
